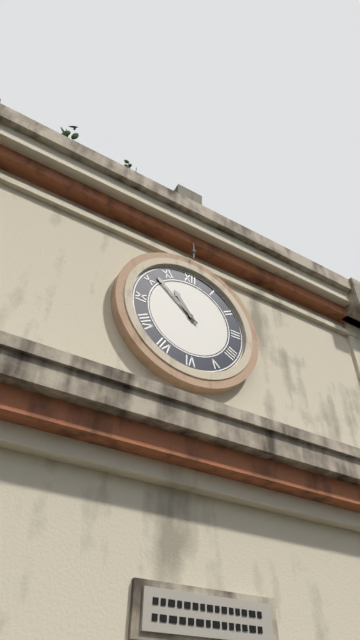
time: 10:52
